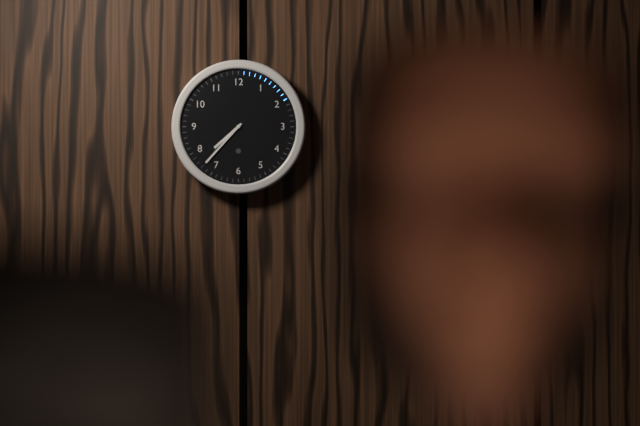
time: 7:37
